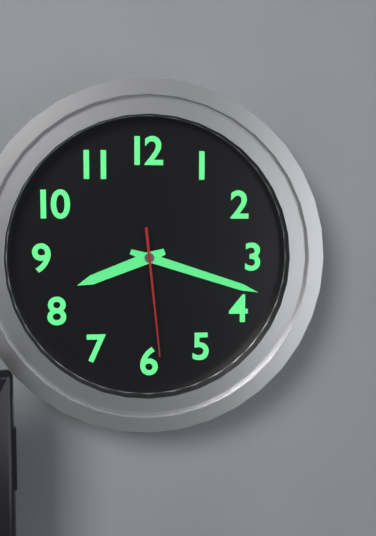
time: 8:18:29
